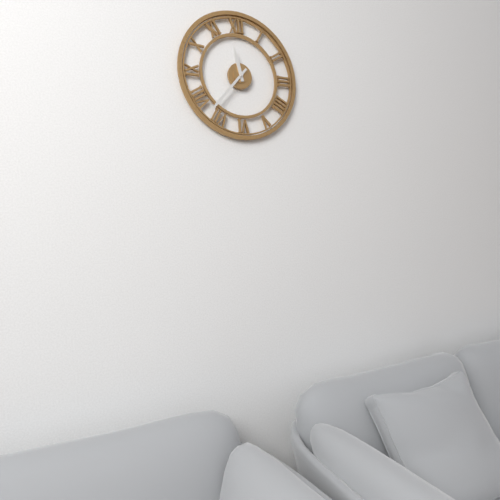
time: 11:37
